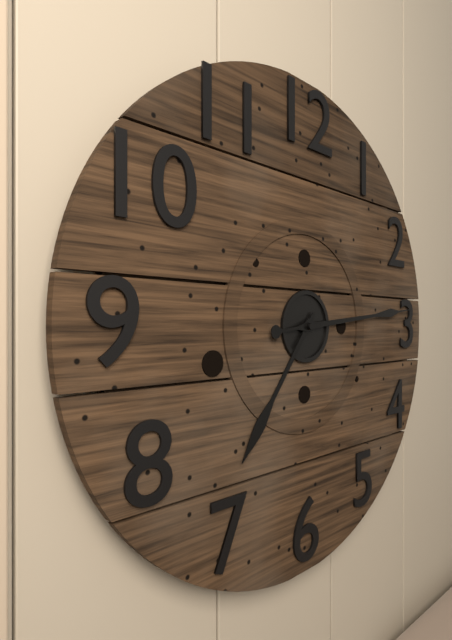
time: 7:14
